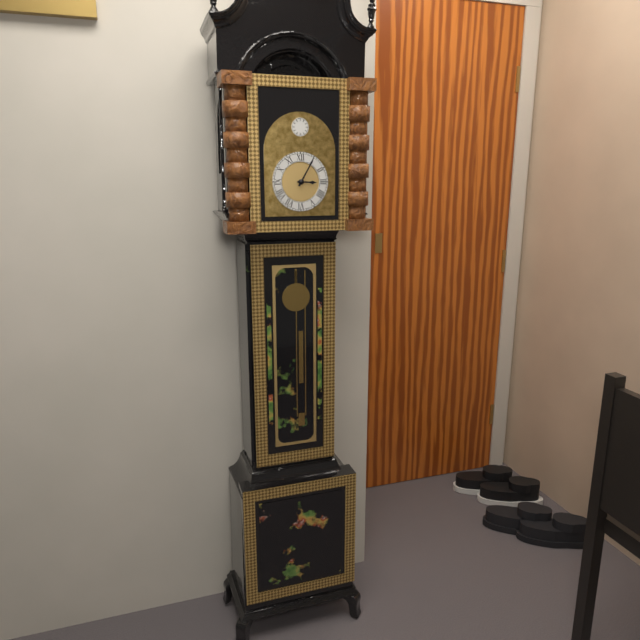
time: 3:05
